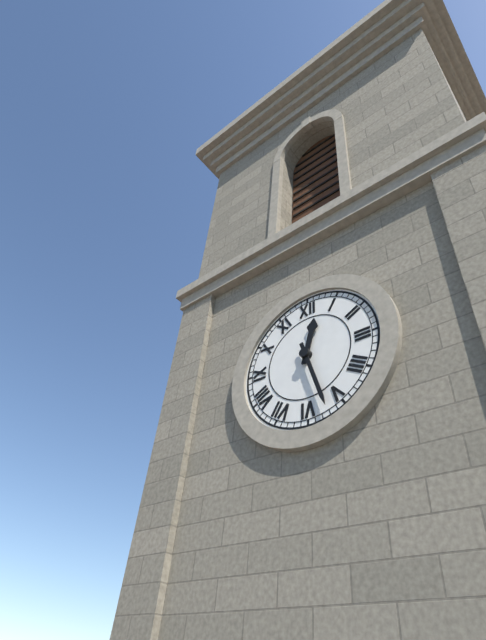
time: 12:27
